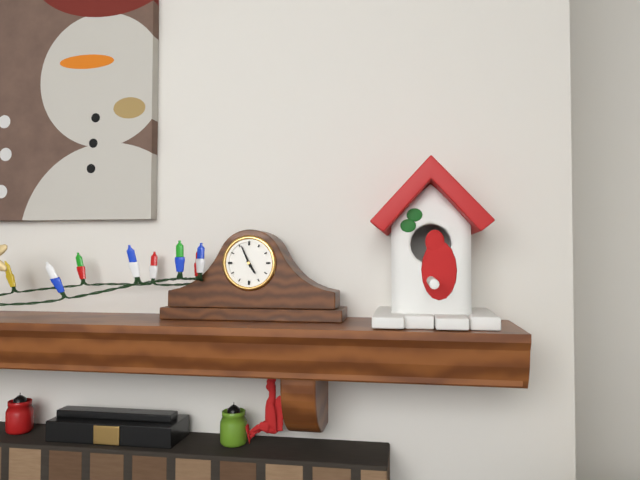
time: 4:56
